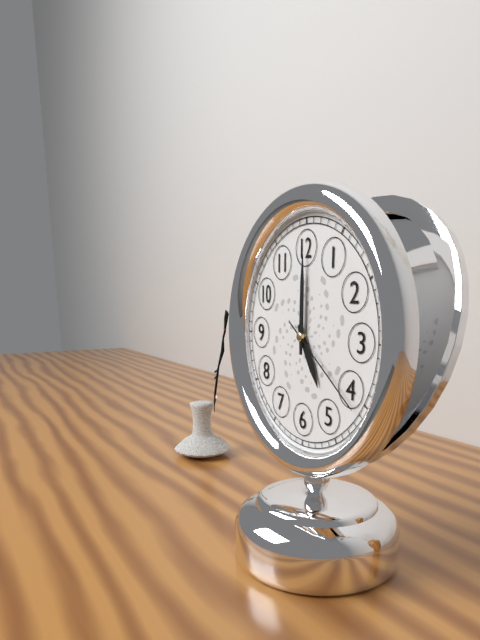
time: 5:00:21
